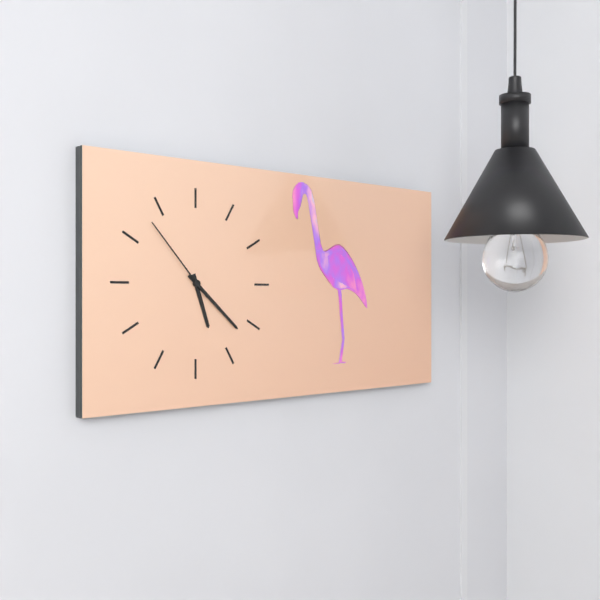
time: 5:22:53
